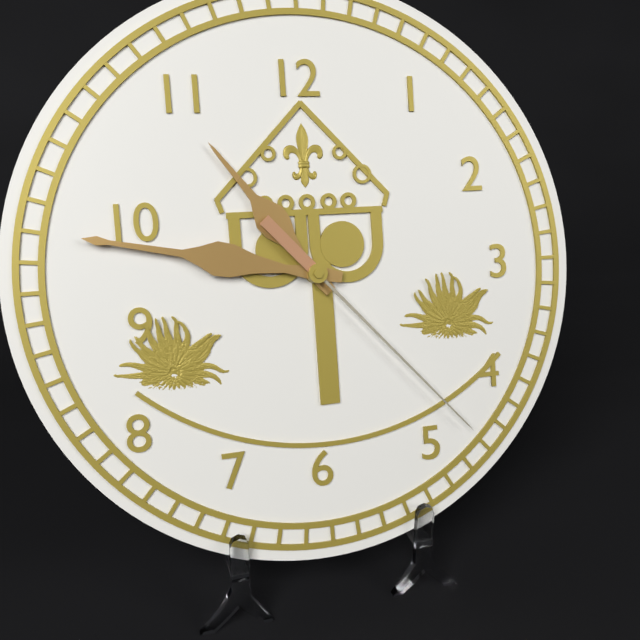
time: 10:47:23
